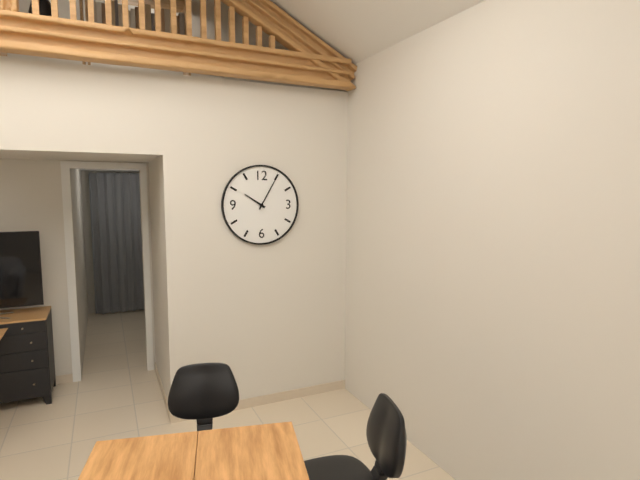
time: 10:05
